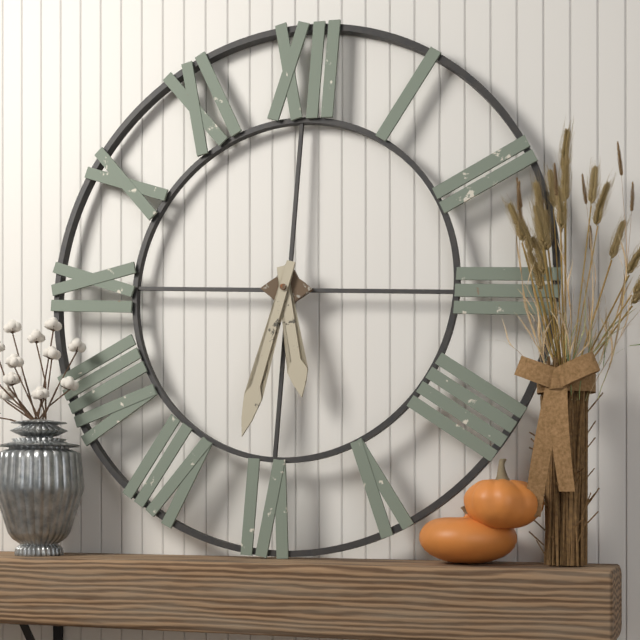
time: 5:32
